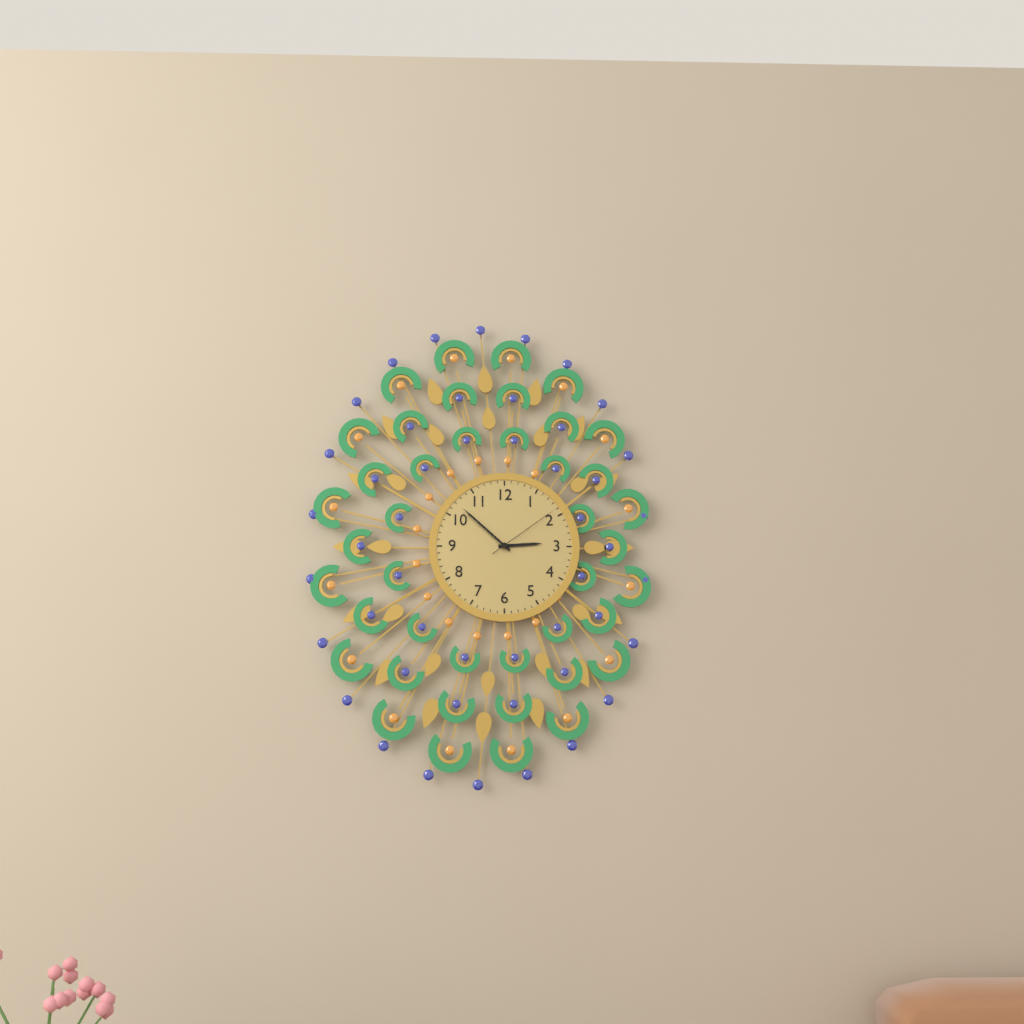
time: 2:52:09
